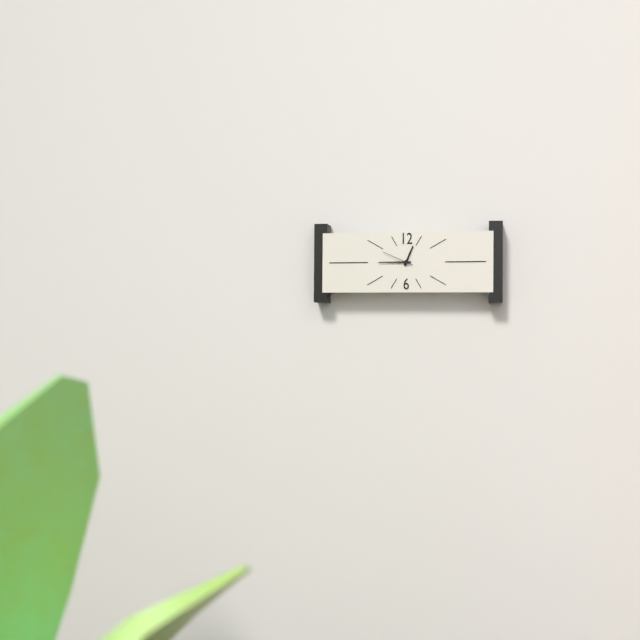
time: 12:45
